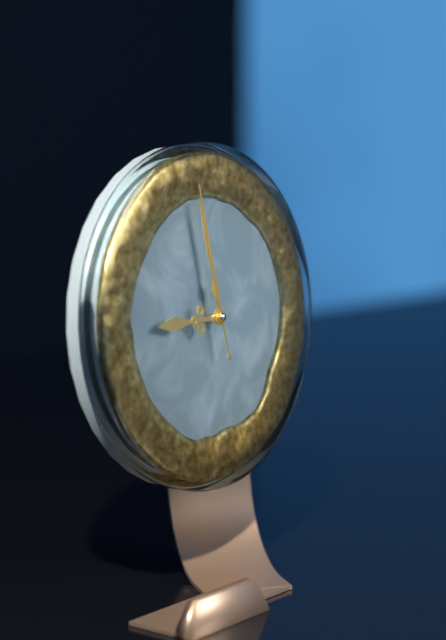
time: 8:58:58
